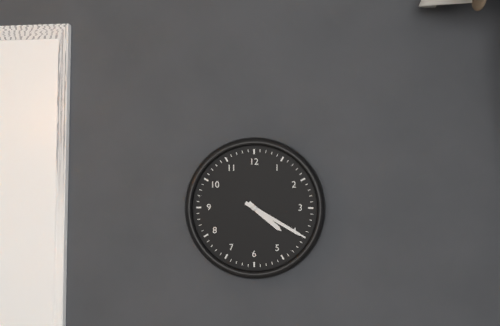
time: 4:20
